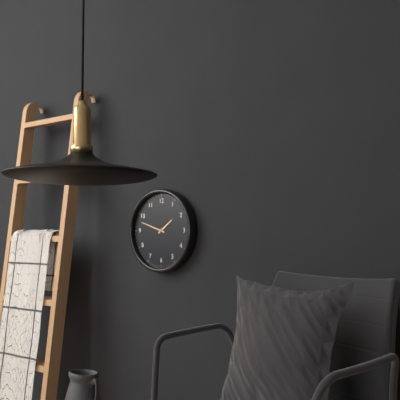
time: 1:48
